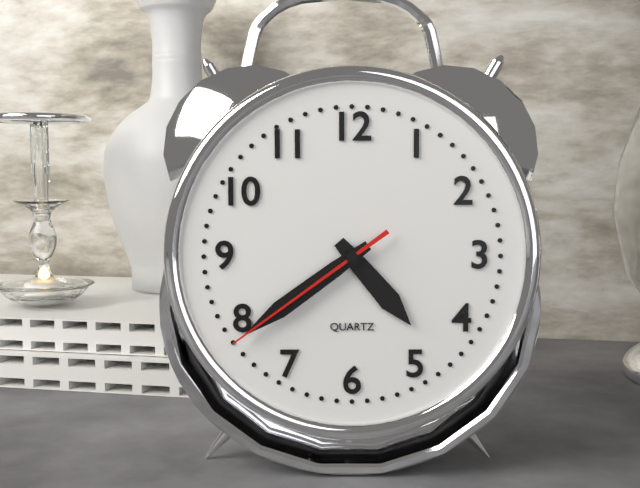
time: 4:39:39
